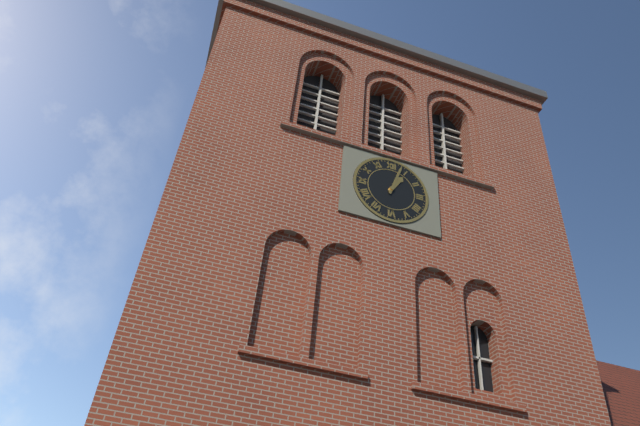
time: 1:03
